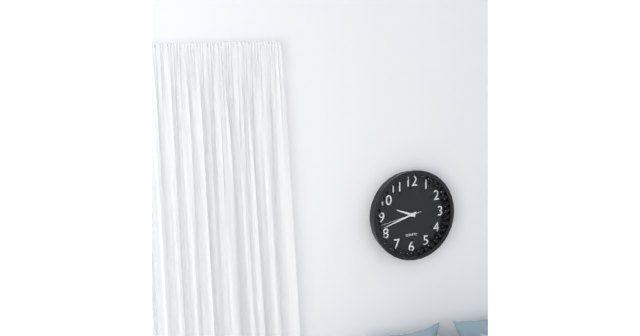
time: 9:42
